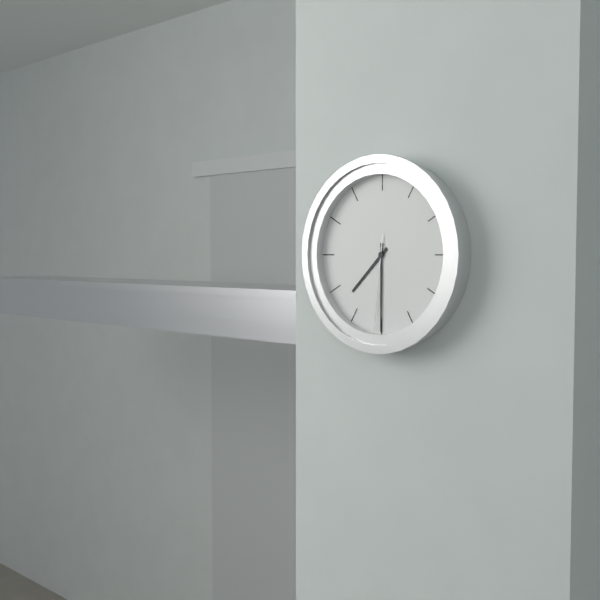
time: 7:30:31
